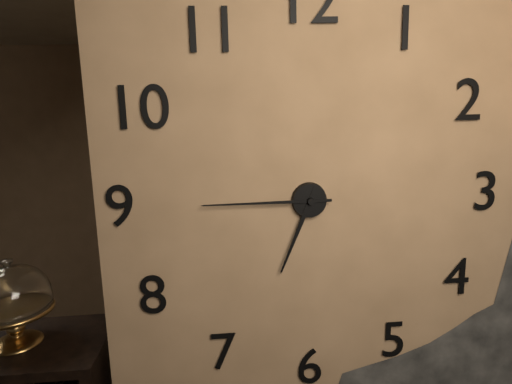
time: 6:45
